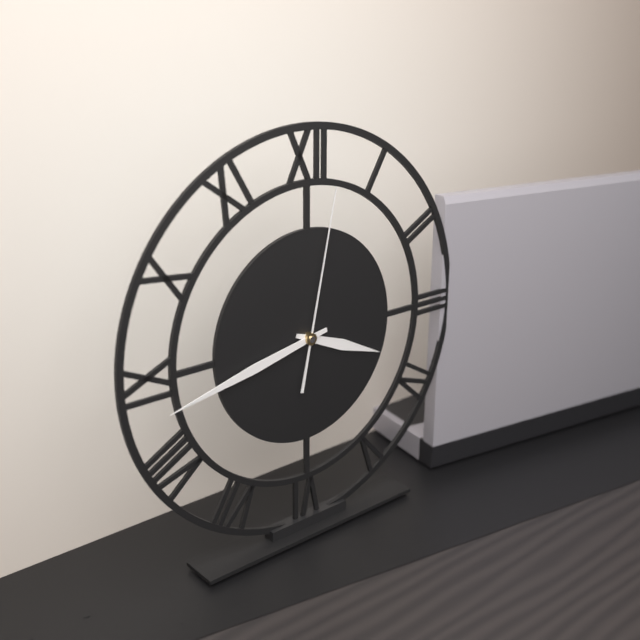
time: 3:43:02
